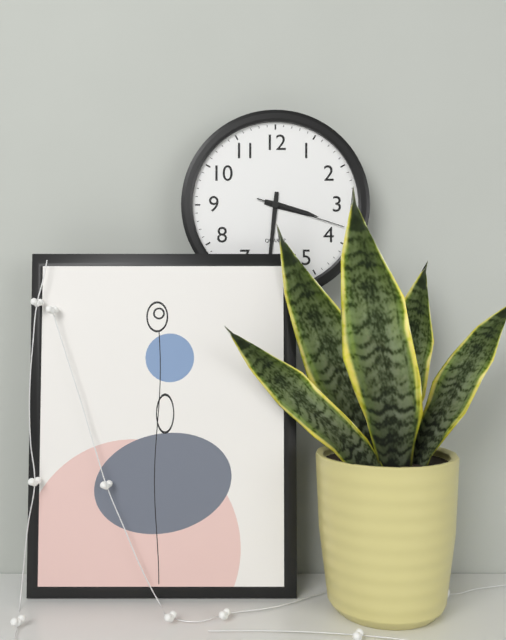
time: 3:31:18
